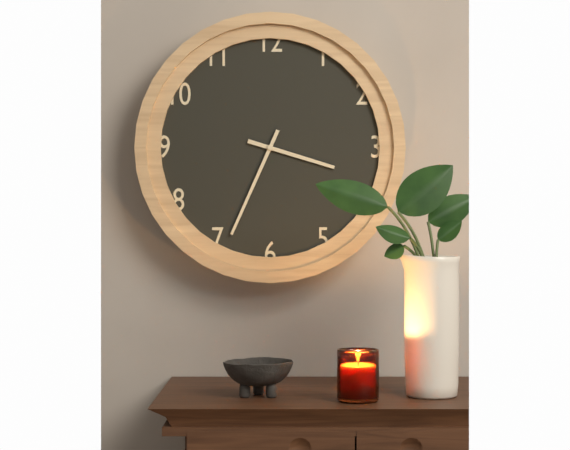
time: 3:34
